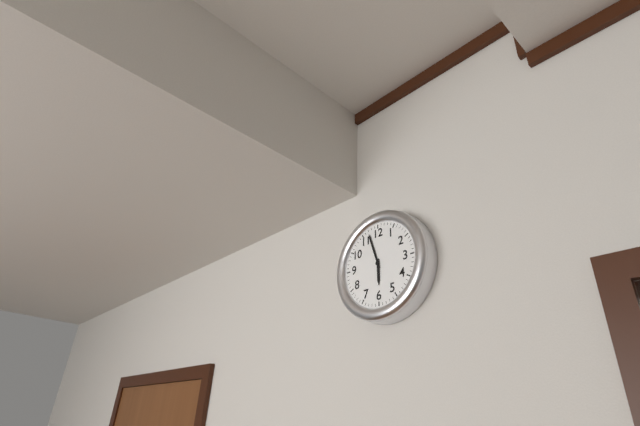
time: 5:57
